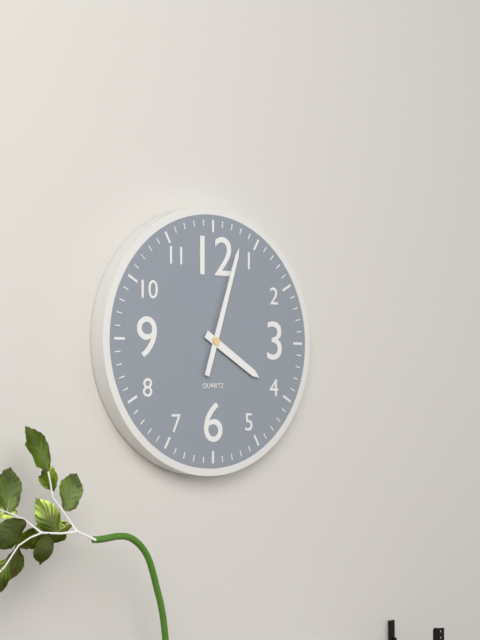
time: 4:03
